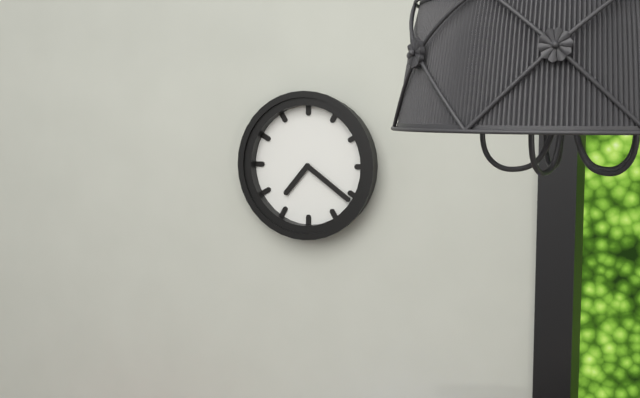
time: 7:21
